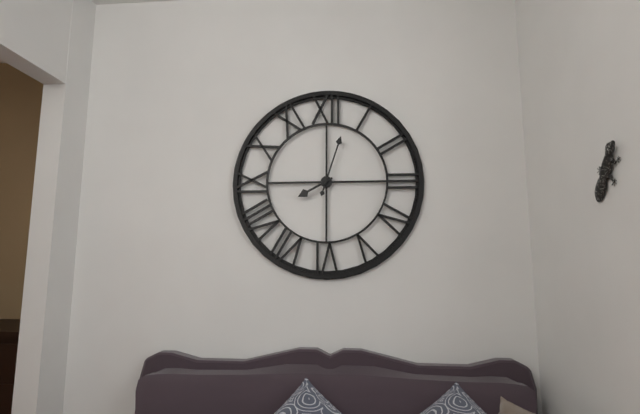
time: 8:03
